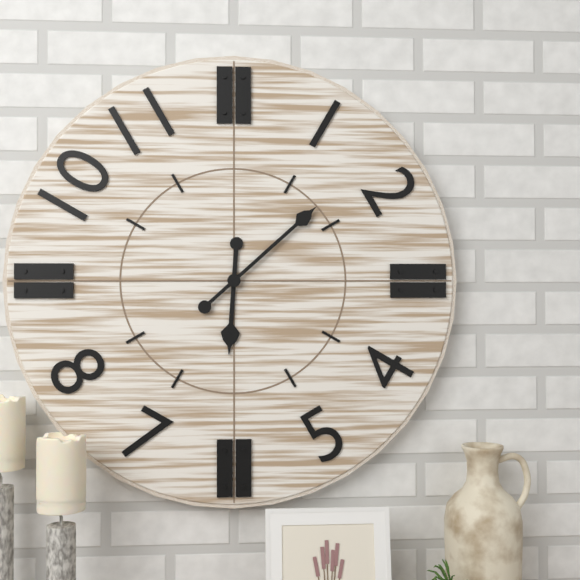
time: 6:08
